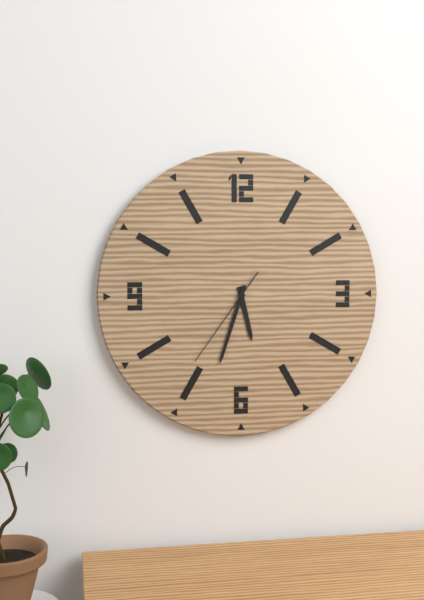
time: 5:33:36
